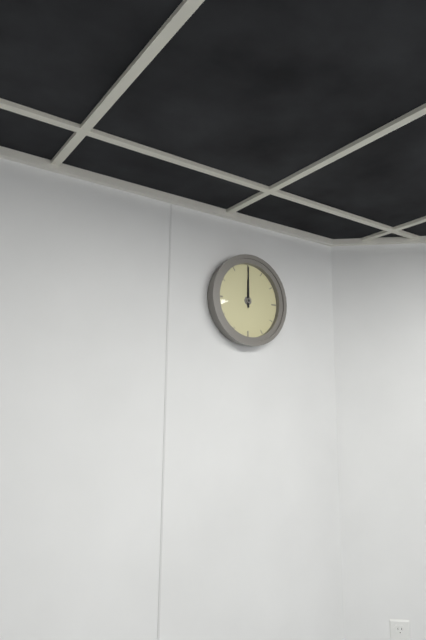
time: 12:00
